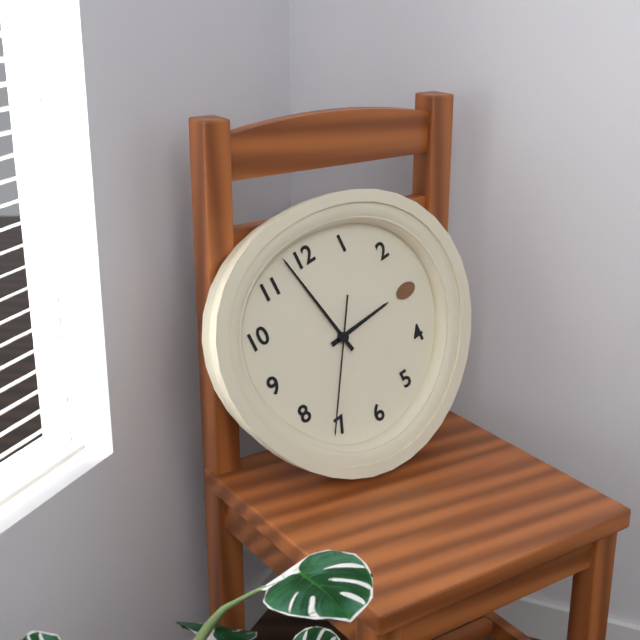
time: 2:58:36
